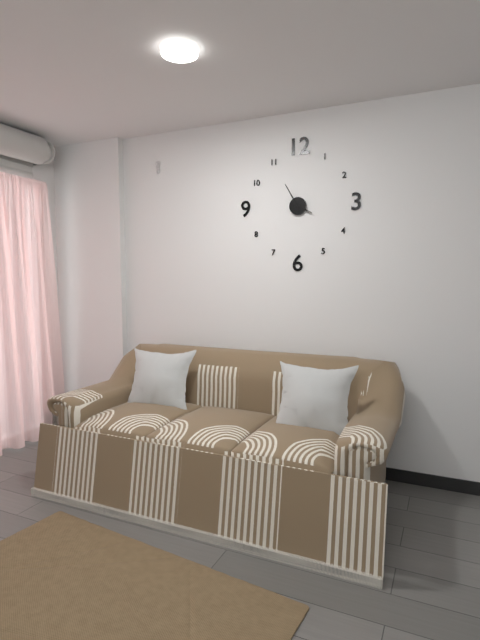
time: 3:55
